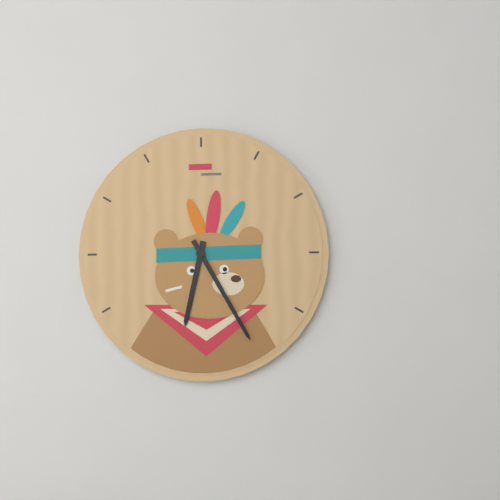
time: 6:25
